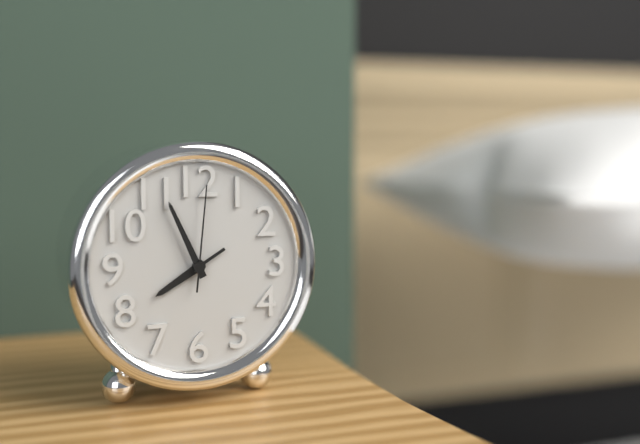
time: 7:56:01
